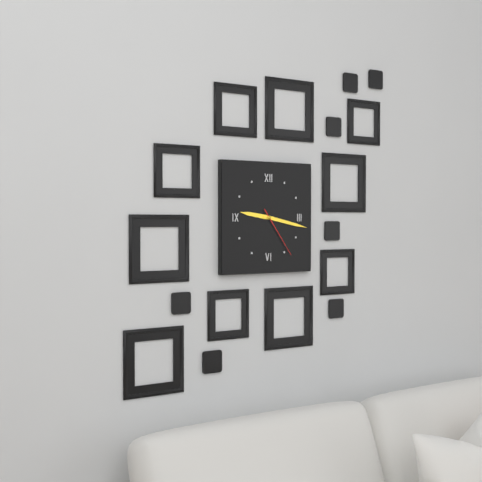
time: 9:17:24
